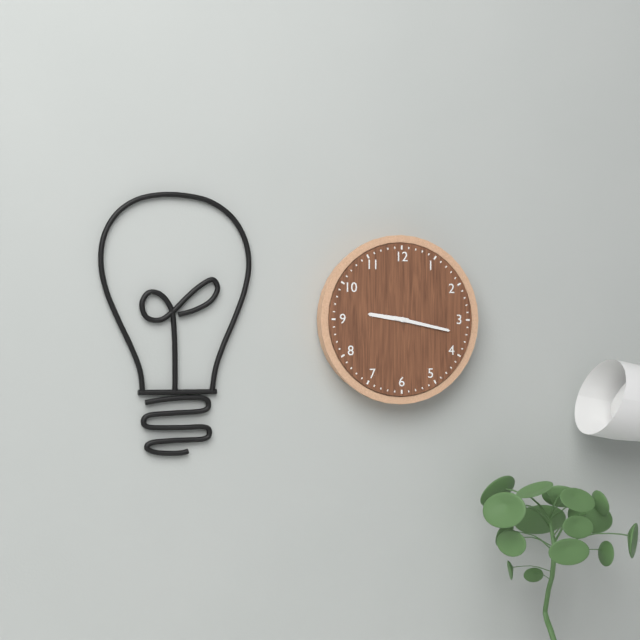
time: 9:17
